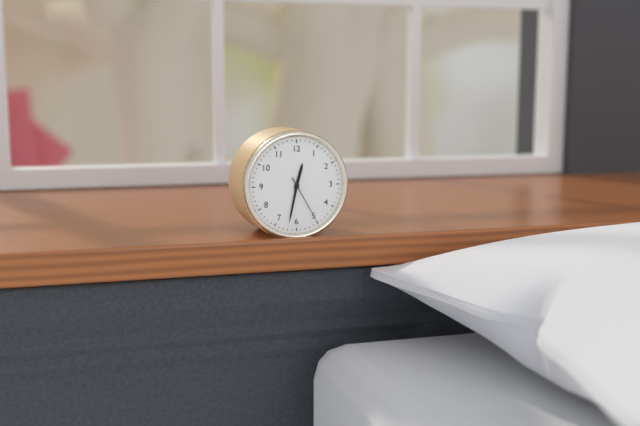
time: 12:32:25
